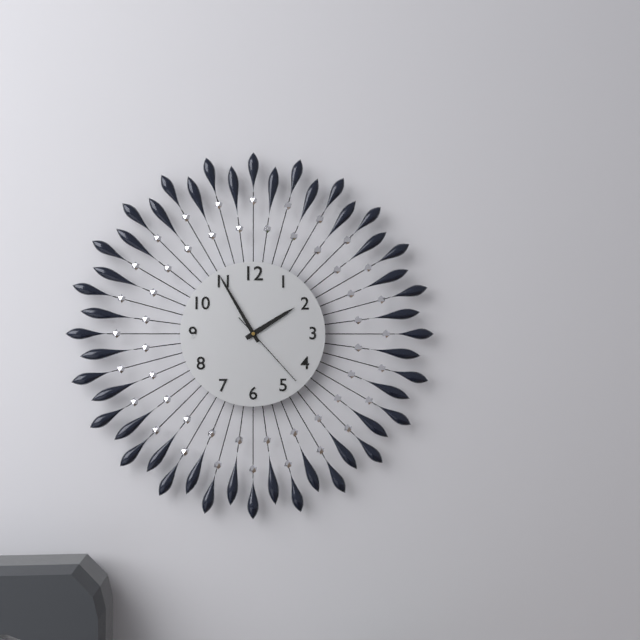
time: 1:55:23
